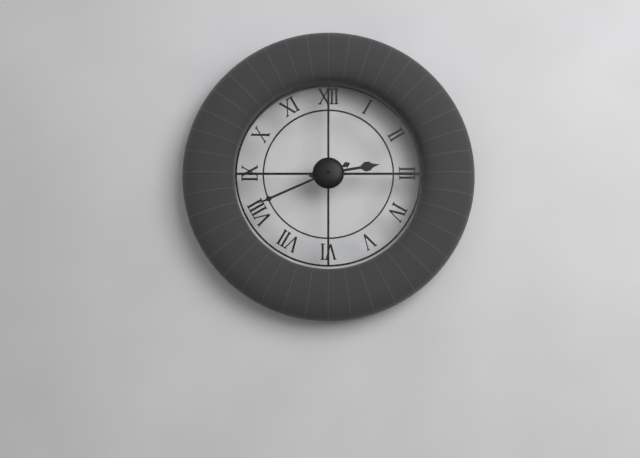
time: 2:41
